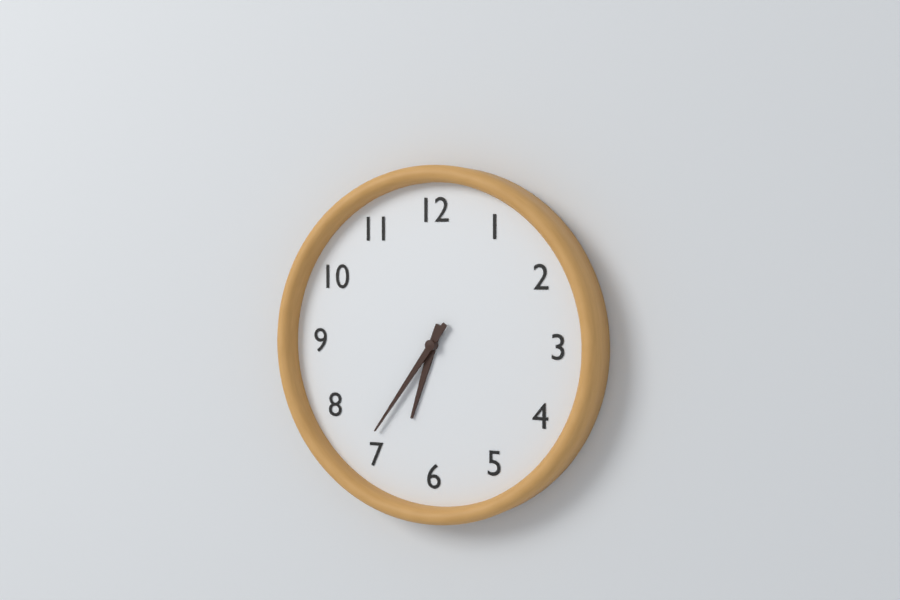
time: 6:36
